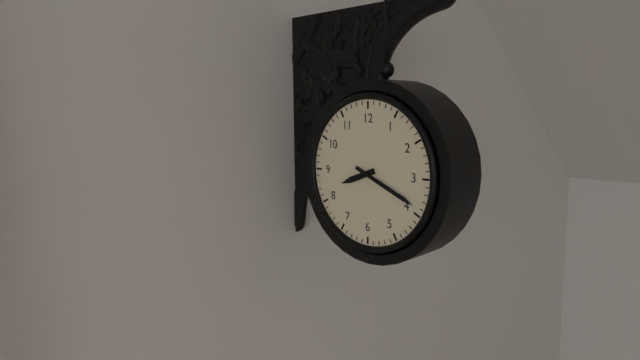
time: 8:19
